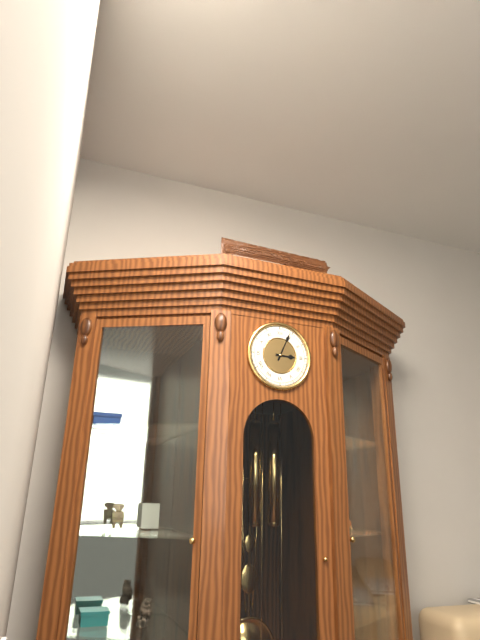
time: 3:04
